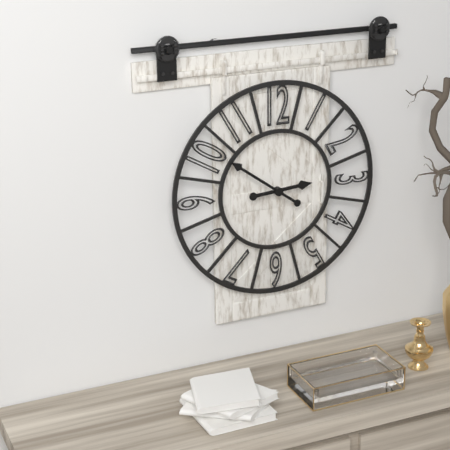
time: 2:51
